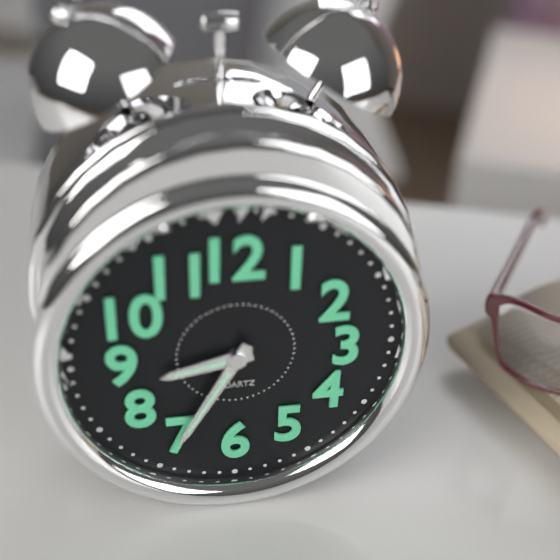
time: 8:35
